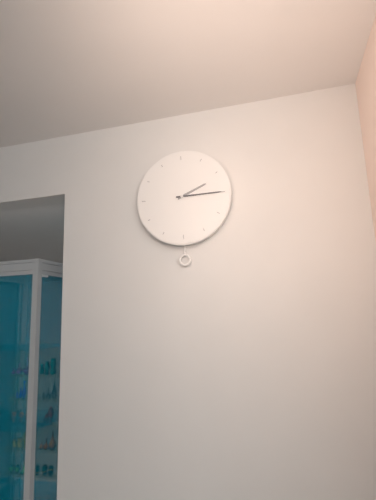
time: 2:15
